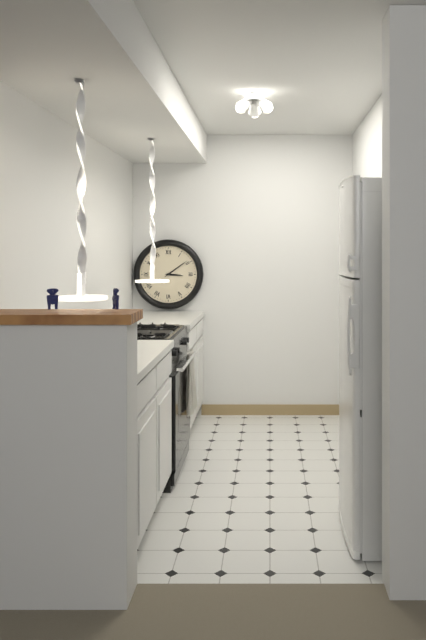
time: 3:09
